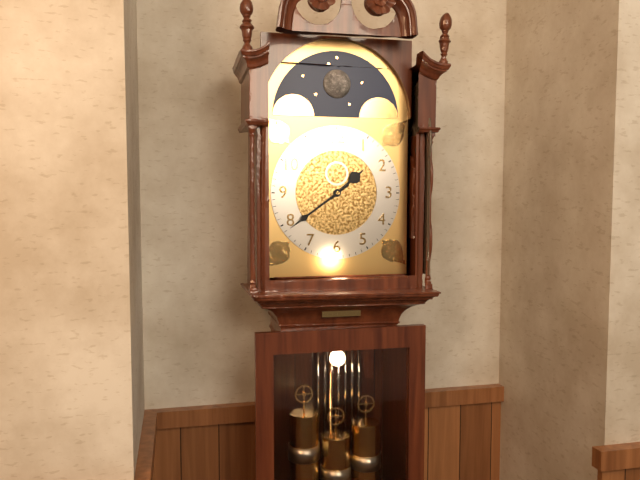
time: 1:39
